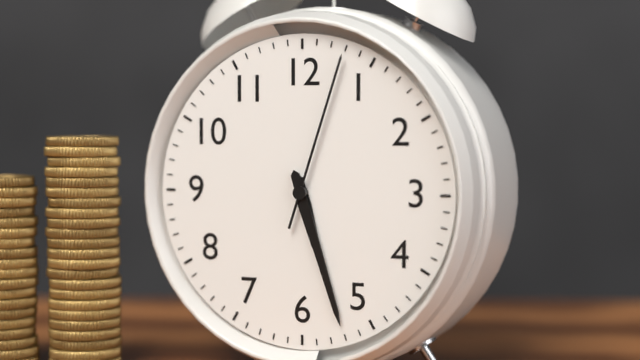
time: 5:27:03
